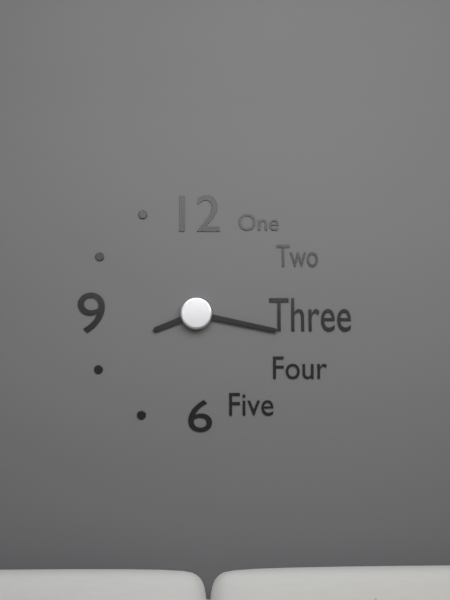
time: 8:17
